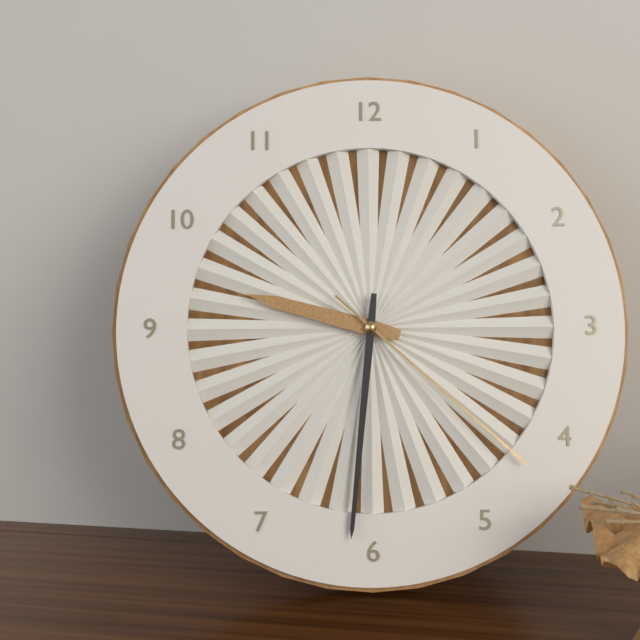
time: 9:31:22
